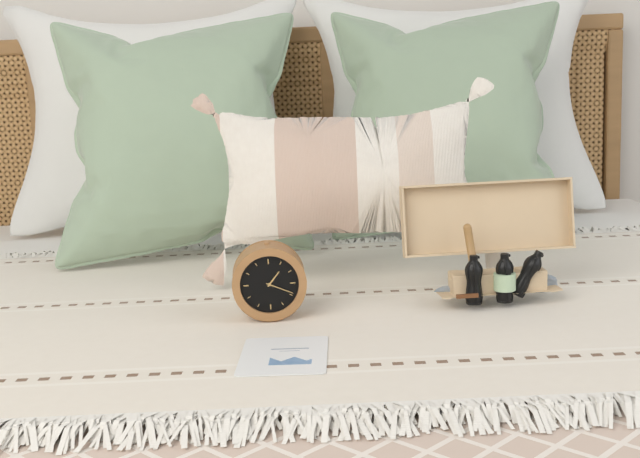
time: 1:19
